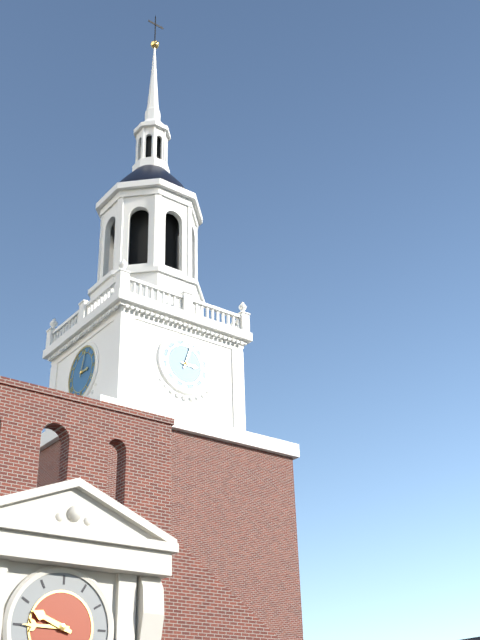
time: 3:03
